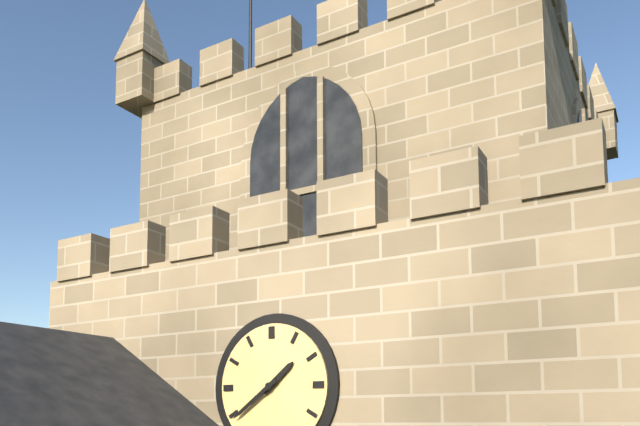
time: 1:39
